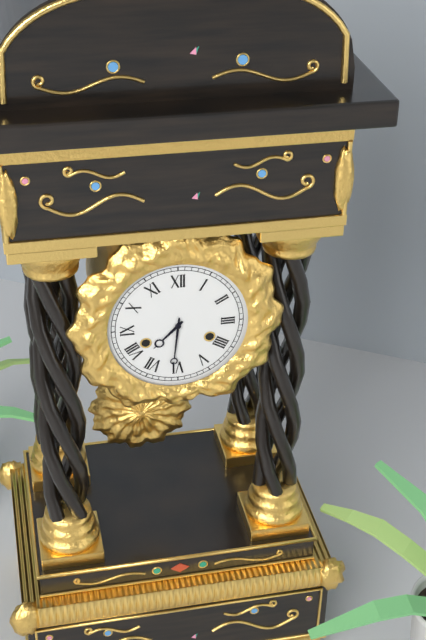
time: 7:31
